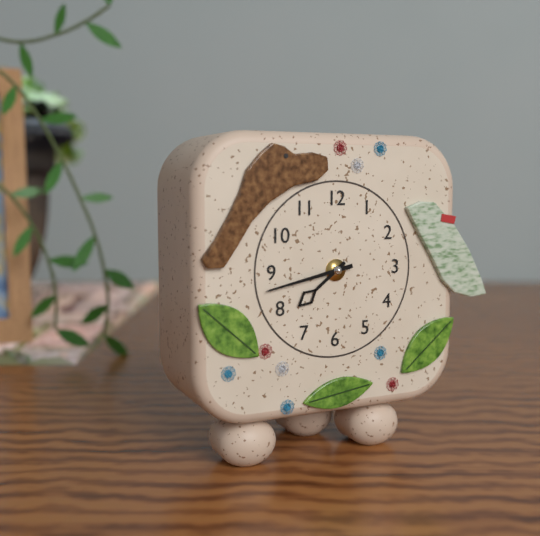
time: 7:43
